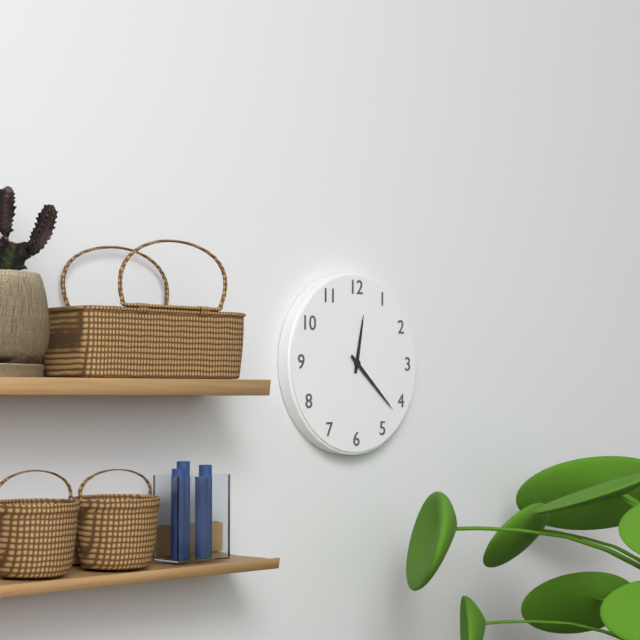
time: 12:22
